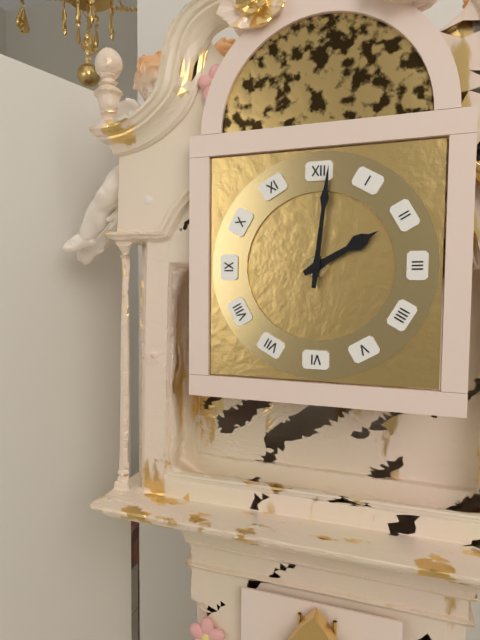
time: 2:01
